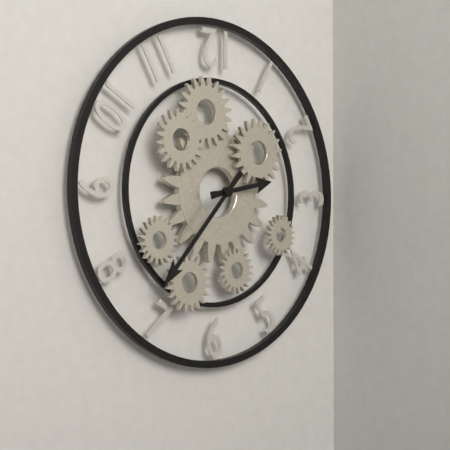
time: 2:37
